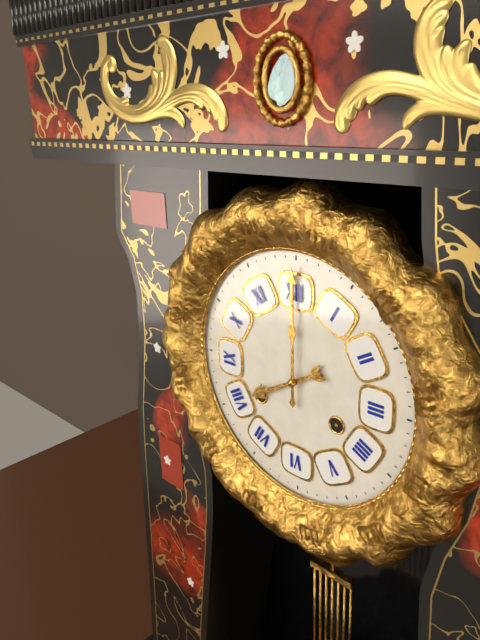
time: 8:00
